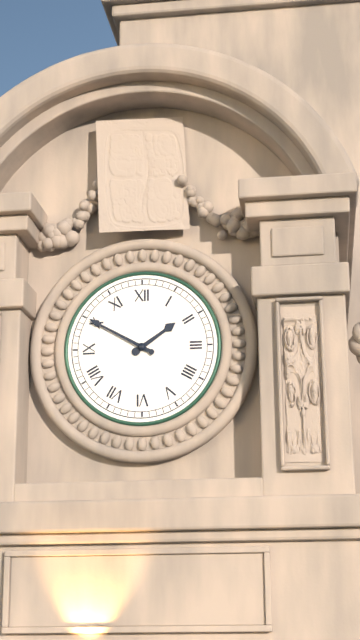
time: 1:50
